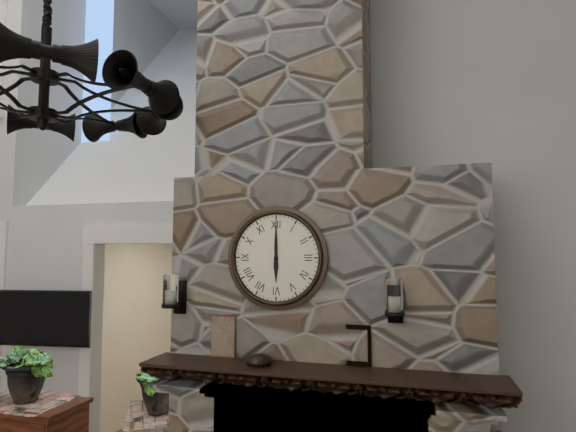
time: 6:00
